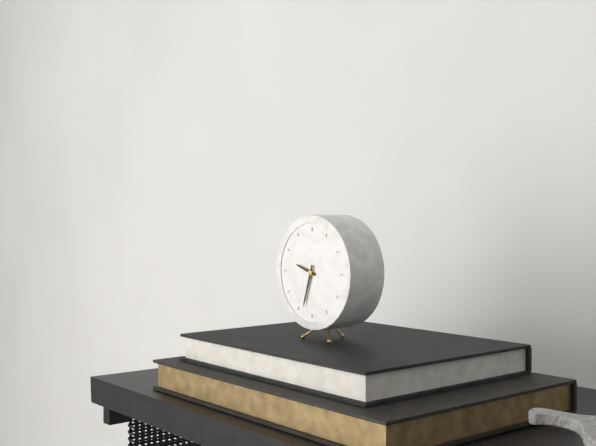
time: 9:33
